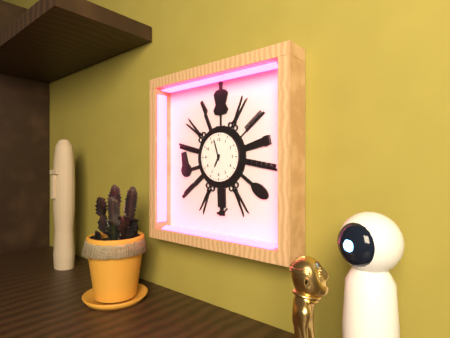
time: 6:57
